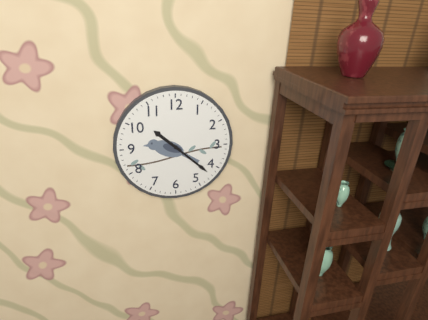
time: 10:22
